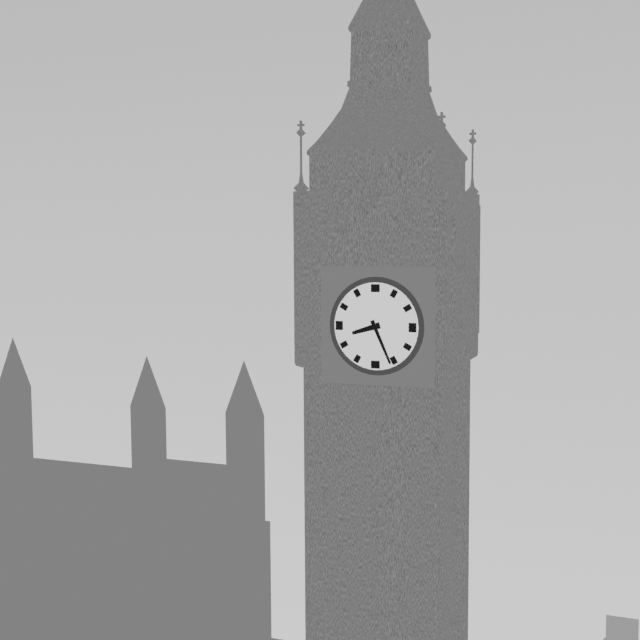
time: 8:26
